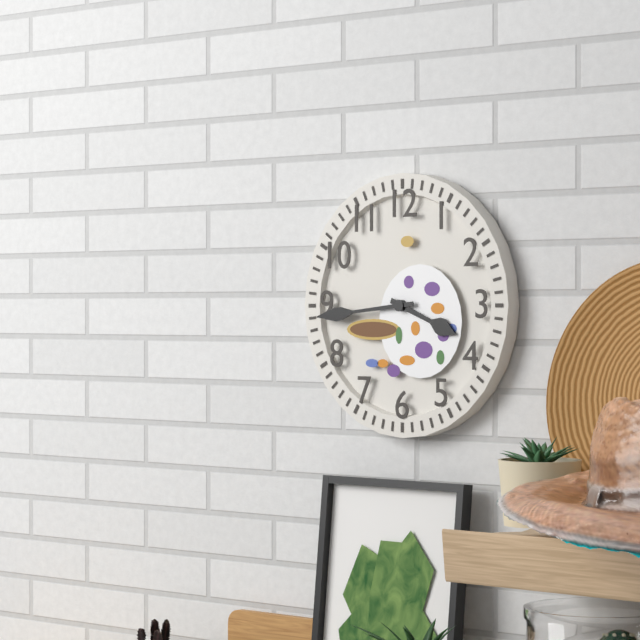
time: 3:44
